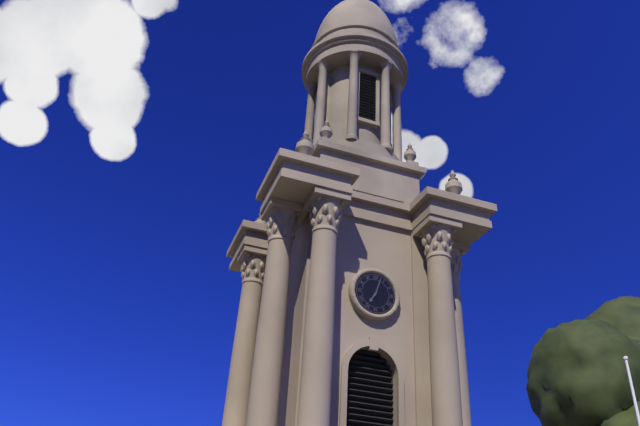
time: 7:03
